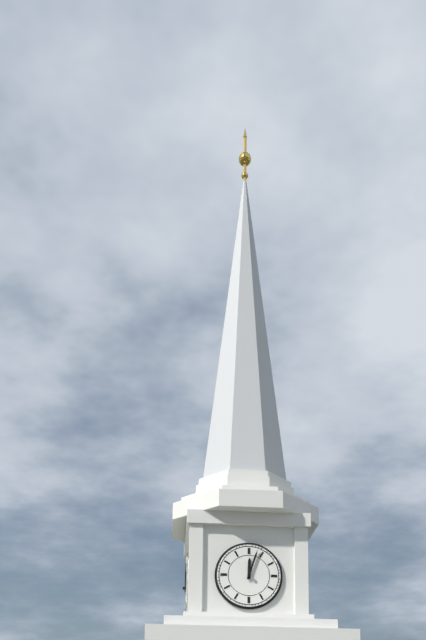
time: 12:03
